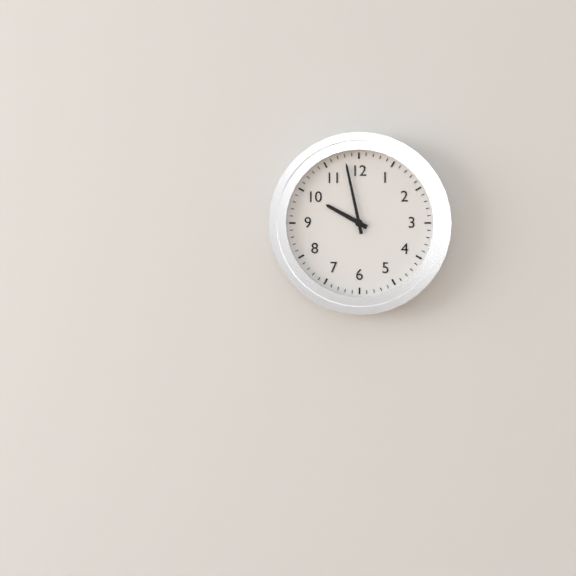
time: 9:58
